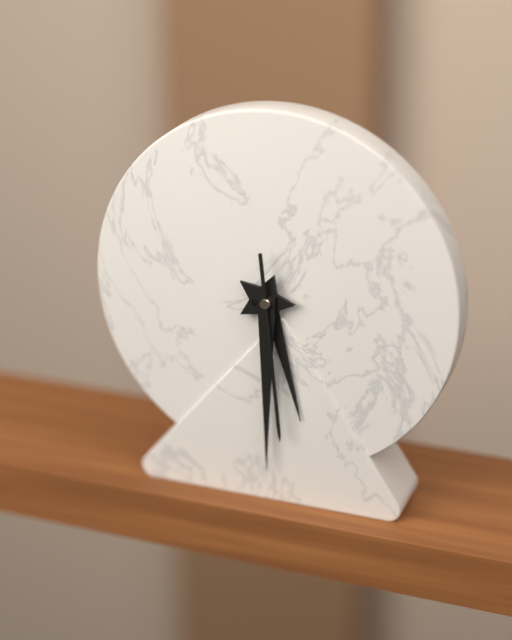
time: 5:30:29
